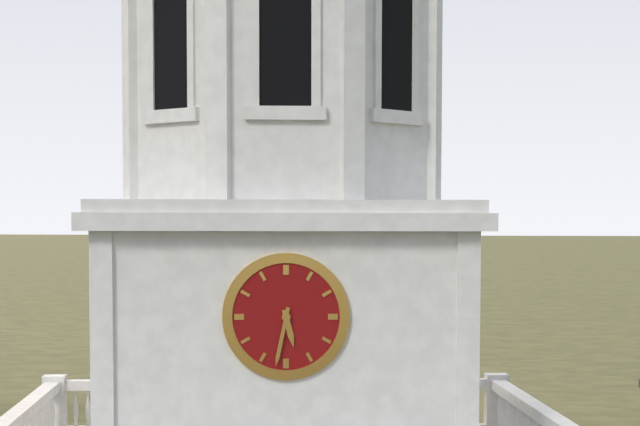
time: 5:32
